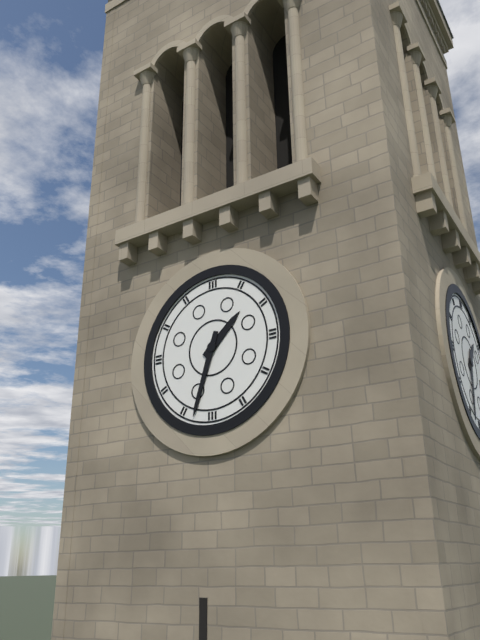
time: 1:33
